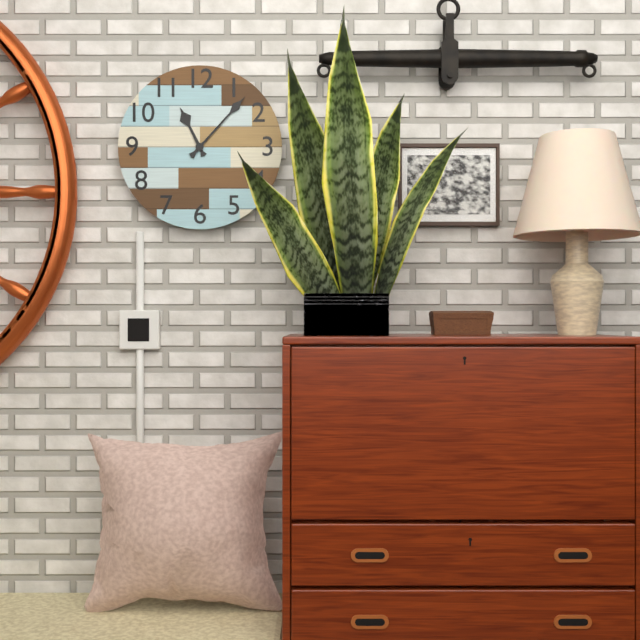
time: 11:07
